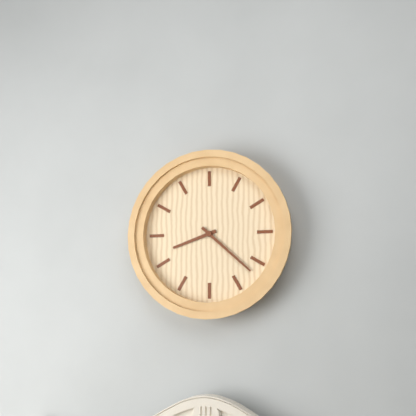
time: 8:22
